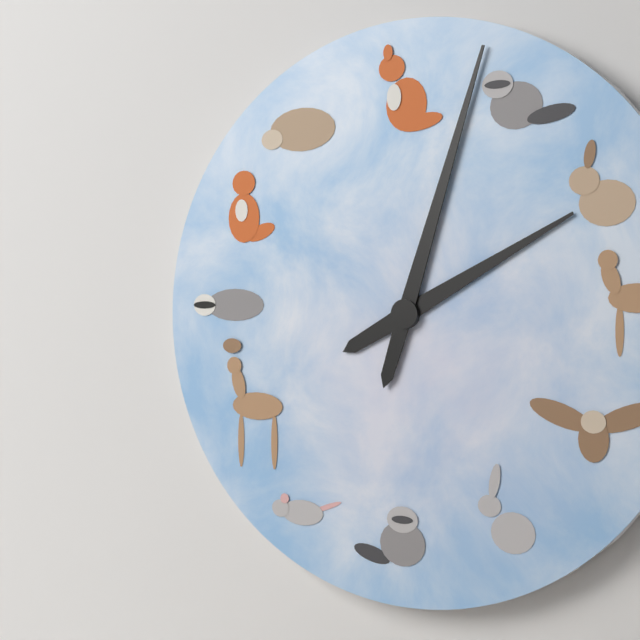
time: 2:03
